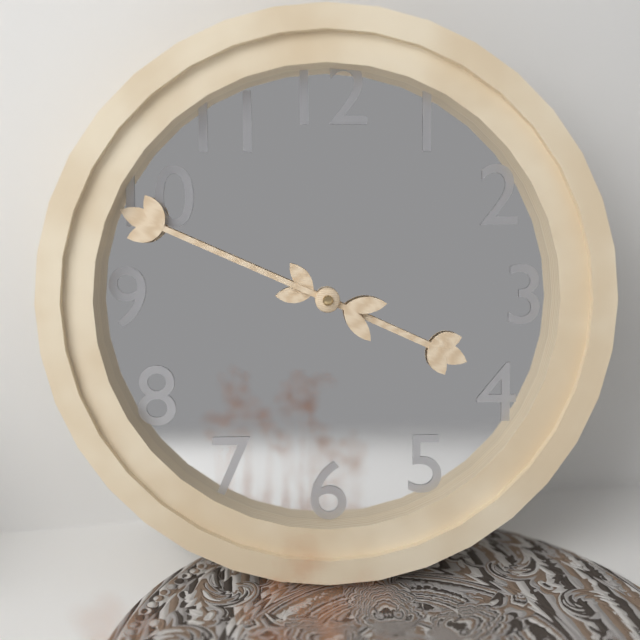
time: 3:49
